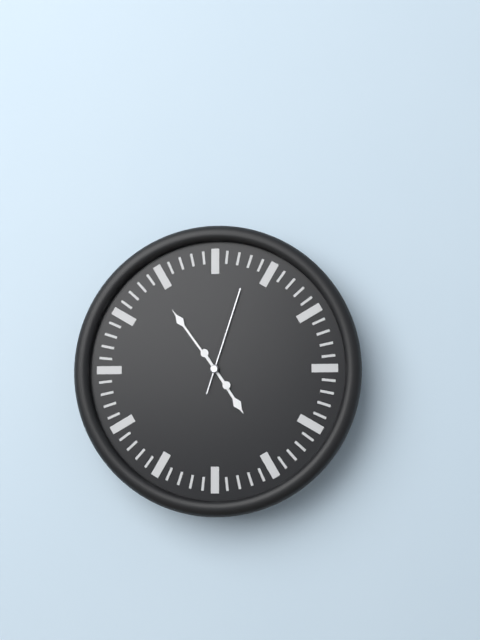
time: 4:54:03
